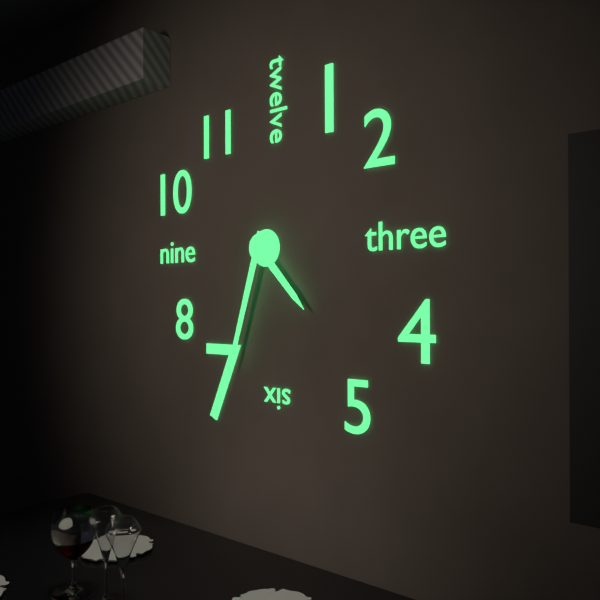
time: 4:33
